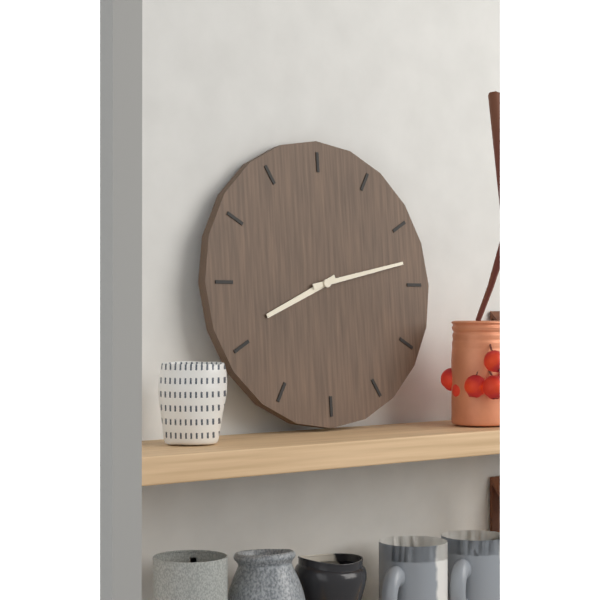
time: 8:13
